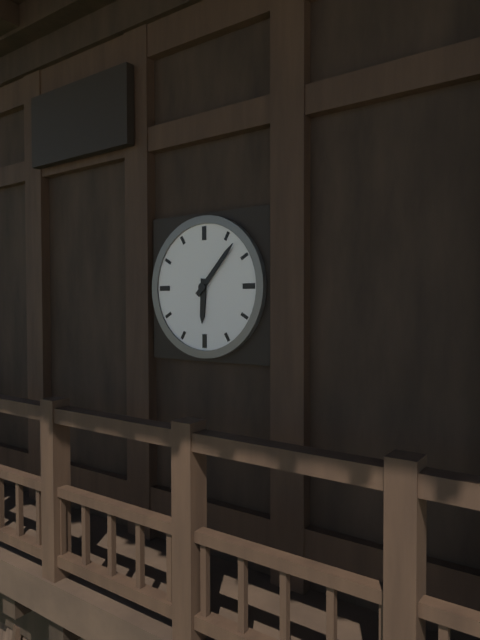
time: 6:07
